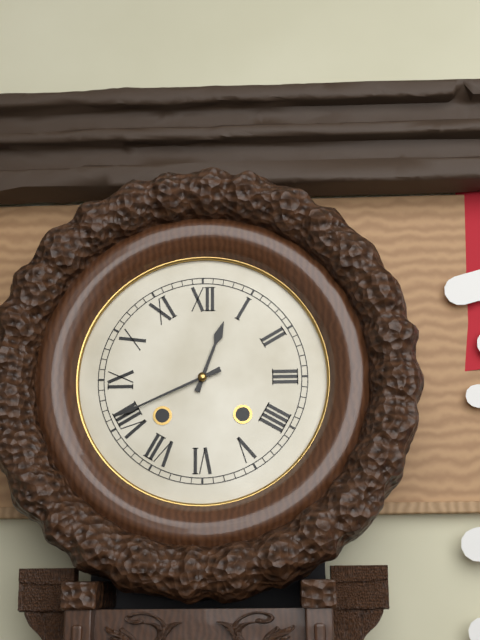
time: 12:41
